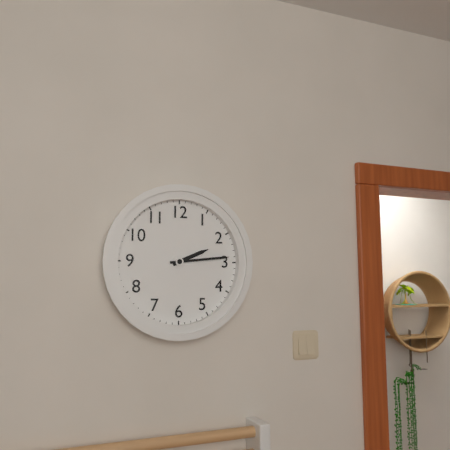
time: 2:14
